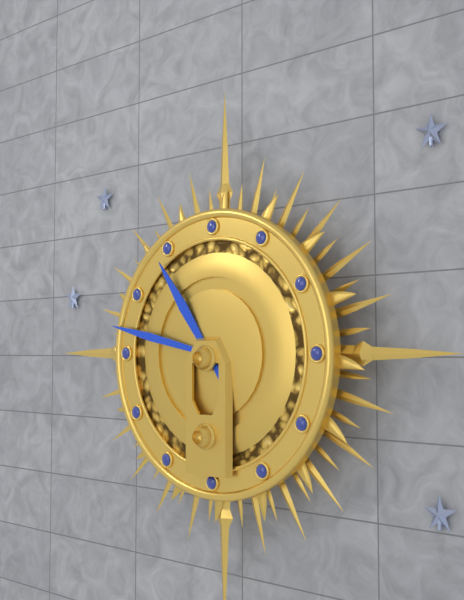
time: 10:47
